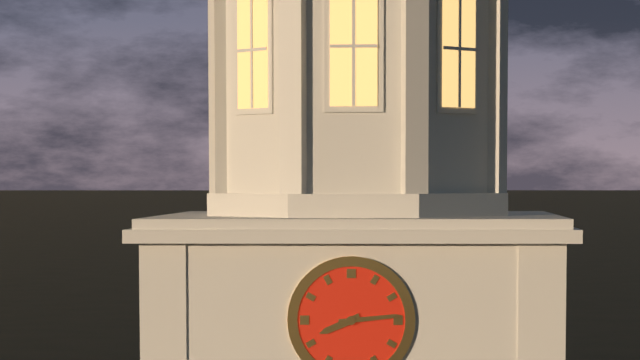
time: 8:14
